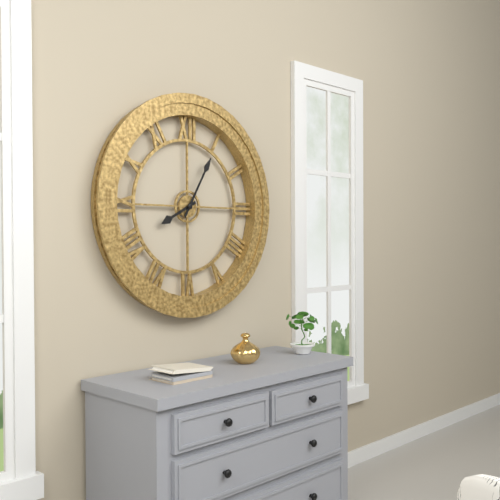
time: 8:05
